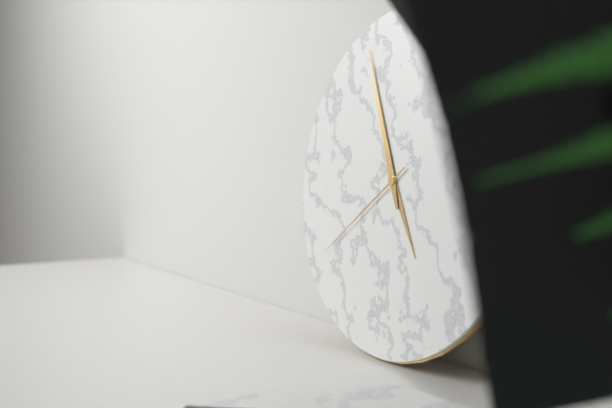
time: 4:56:39
